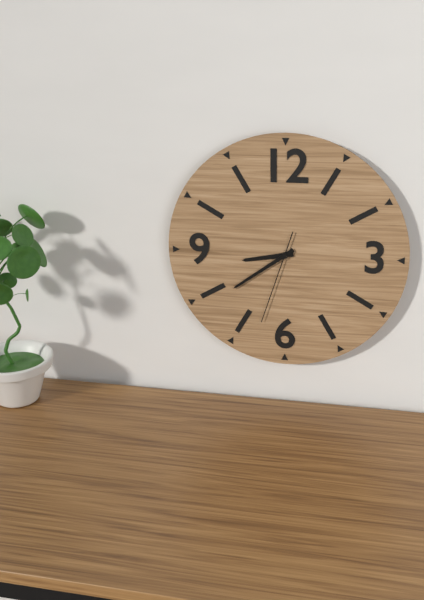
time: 8:39:33
